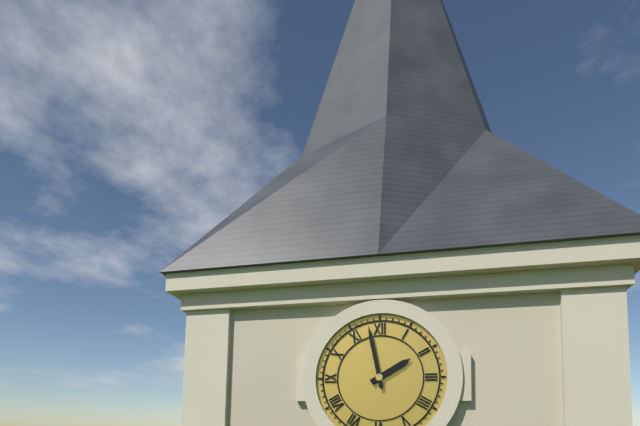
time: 1:58
